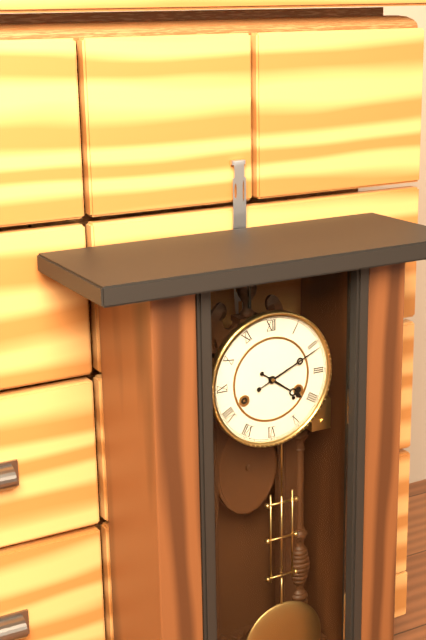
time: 4:11
